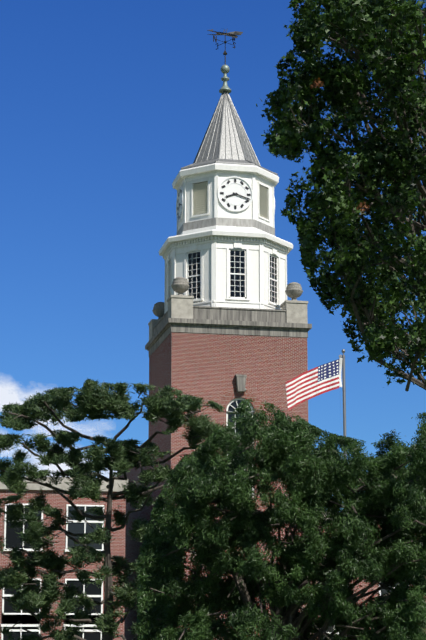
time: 8:18
